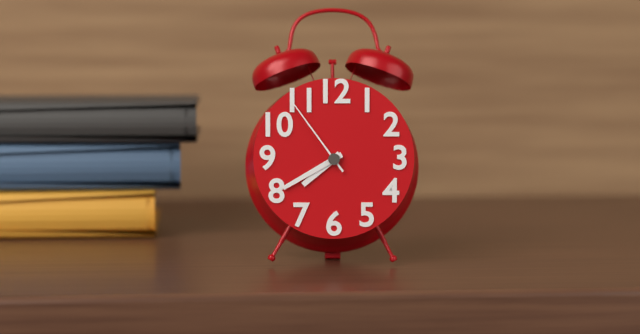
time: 7:40:54
